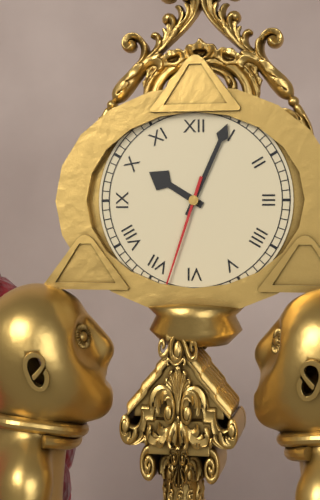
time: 10:04:33
